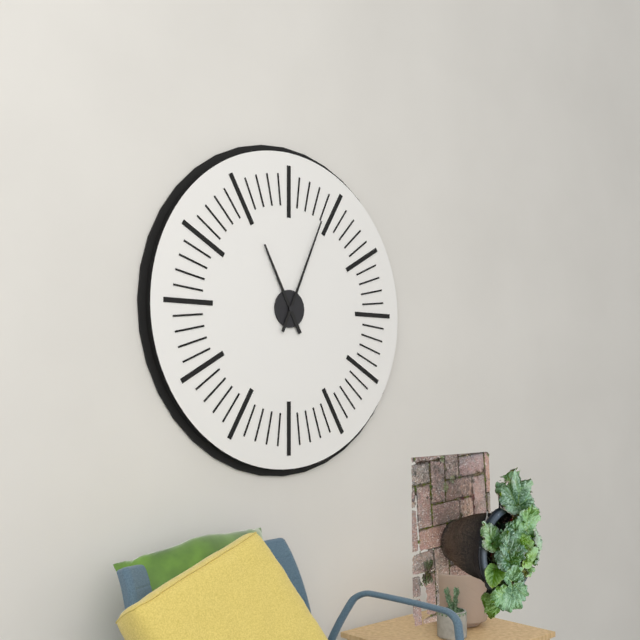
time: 11:04
